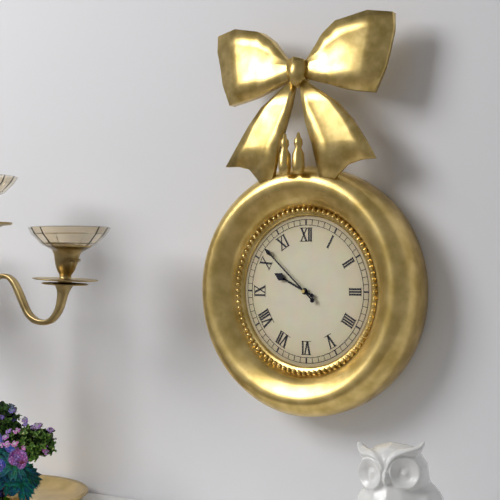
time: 9:52
